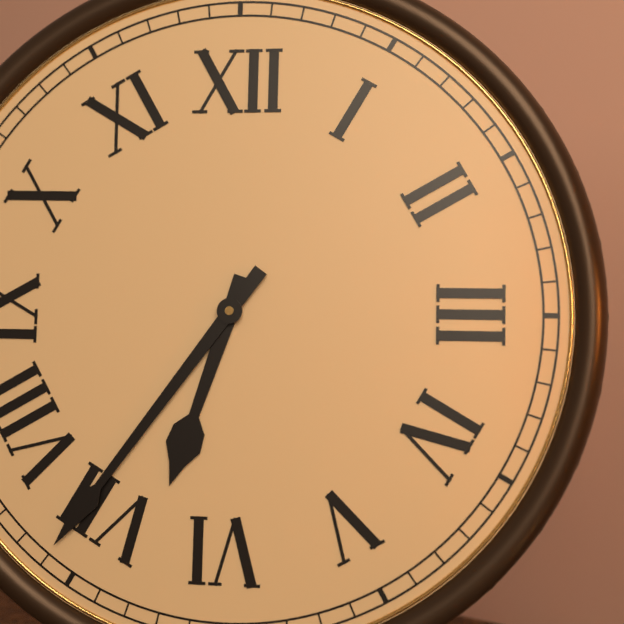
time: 6:36
